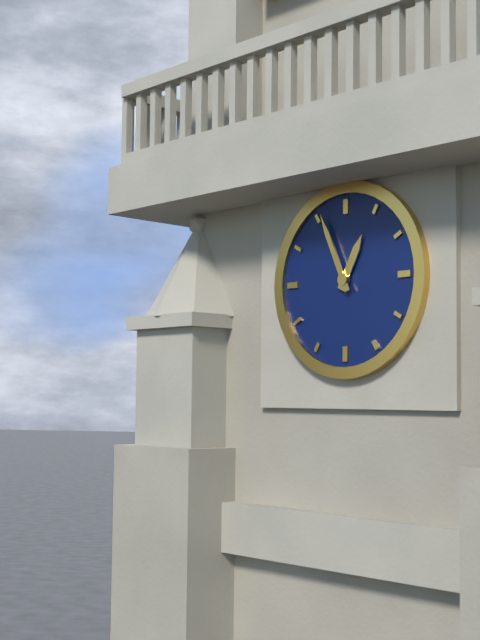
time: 12:56
